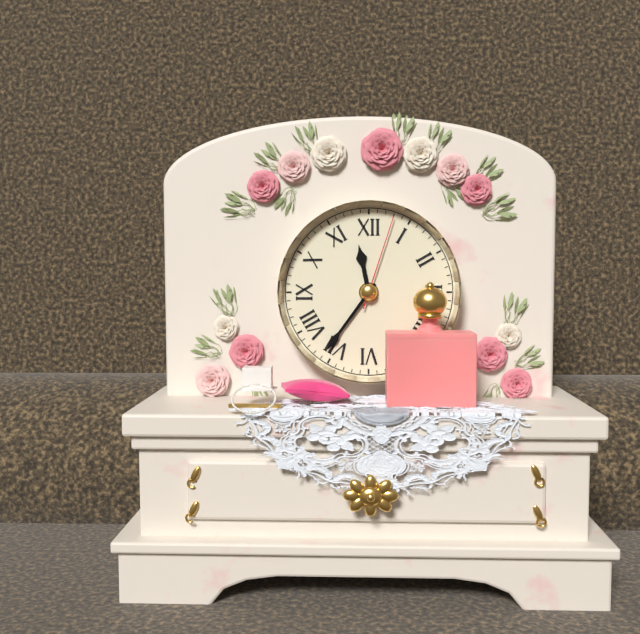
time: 11:36:03
